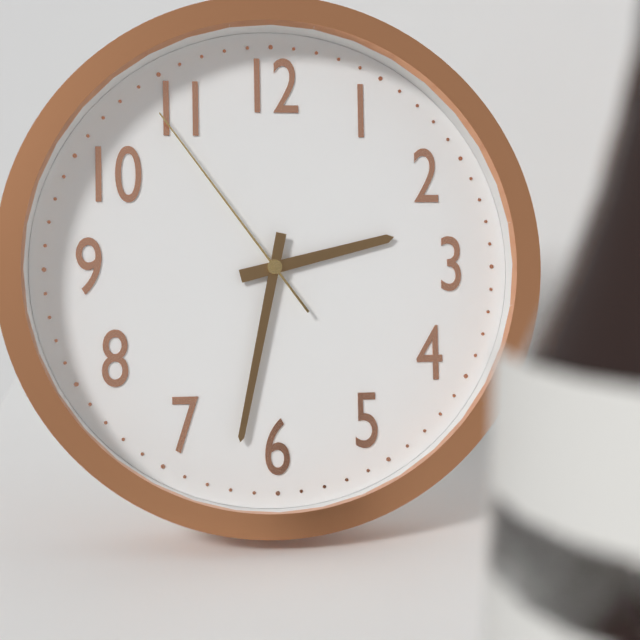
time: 2:32:54
